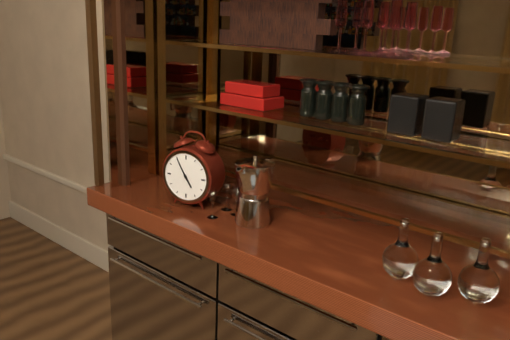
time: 4:55
